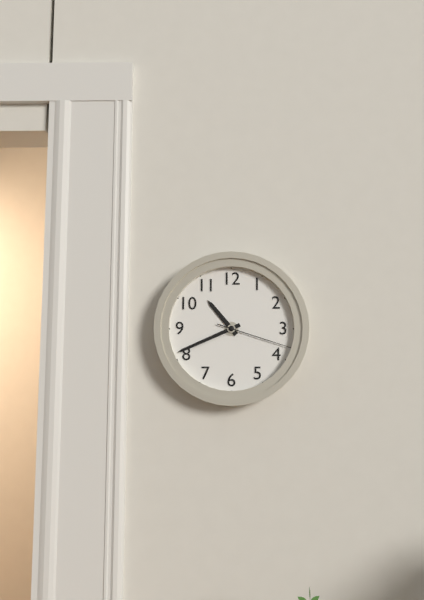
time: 10:41:18
